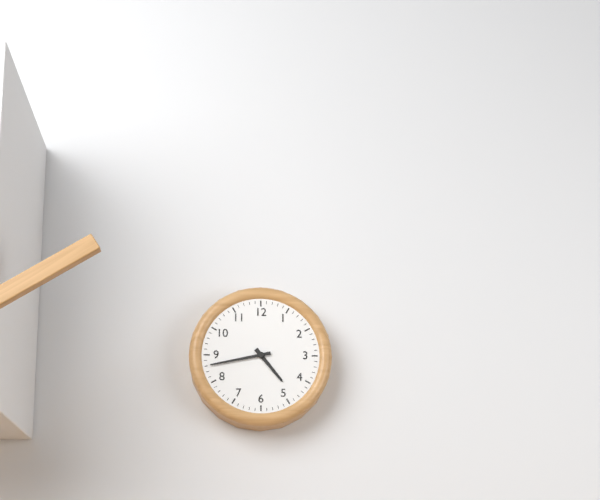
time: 4:43
